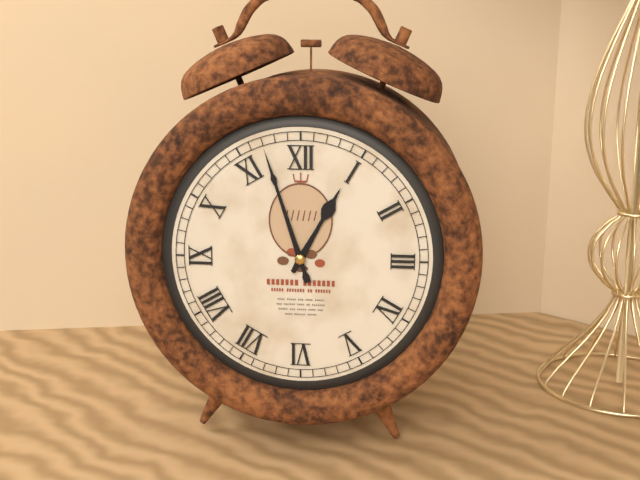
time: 12:57
